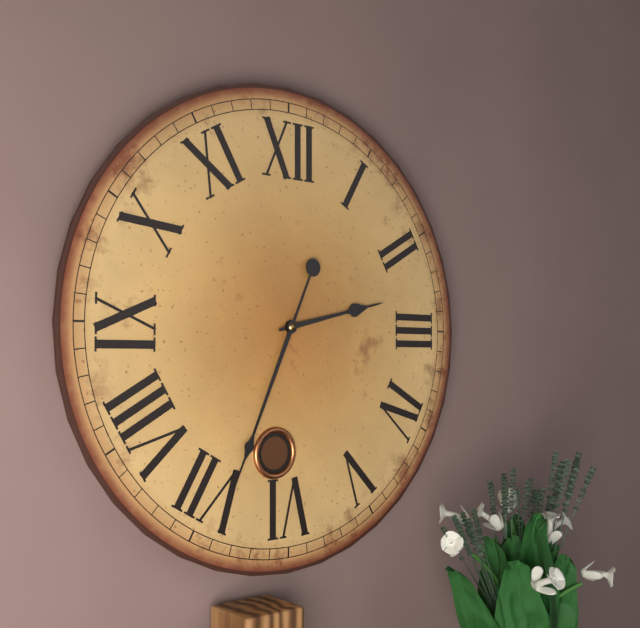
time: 2:34
